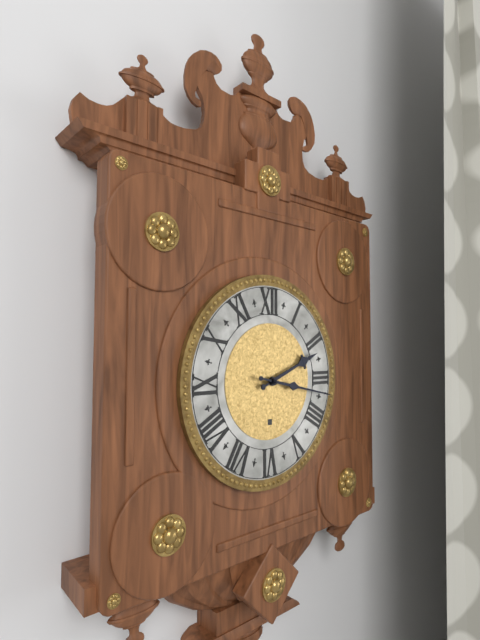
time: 2:17
